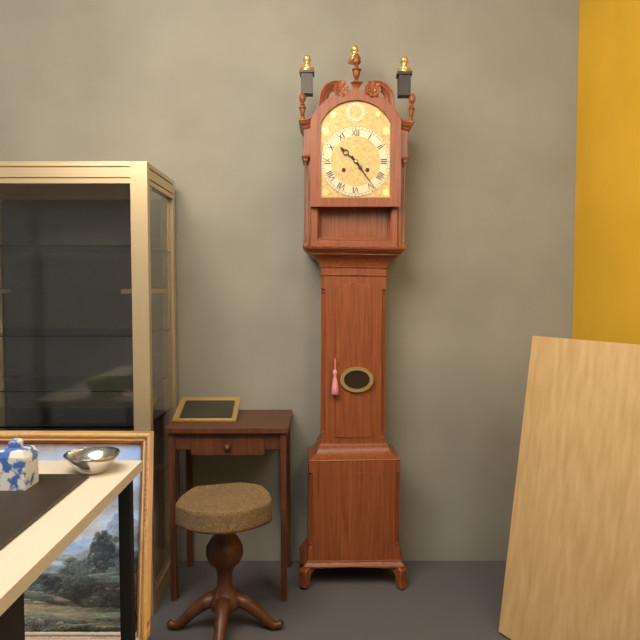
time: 10:24
